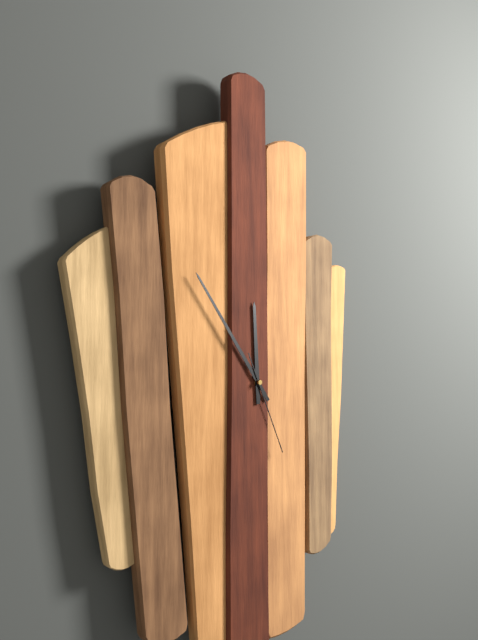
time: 11:54:26
